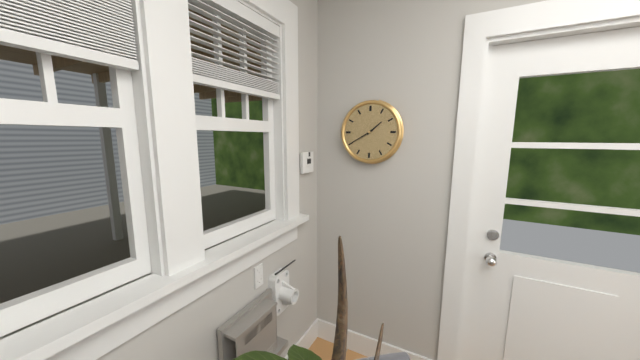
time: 1:40
